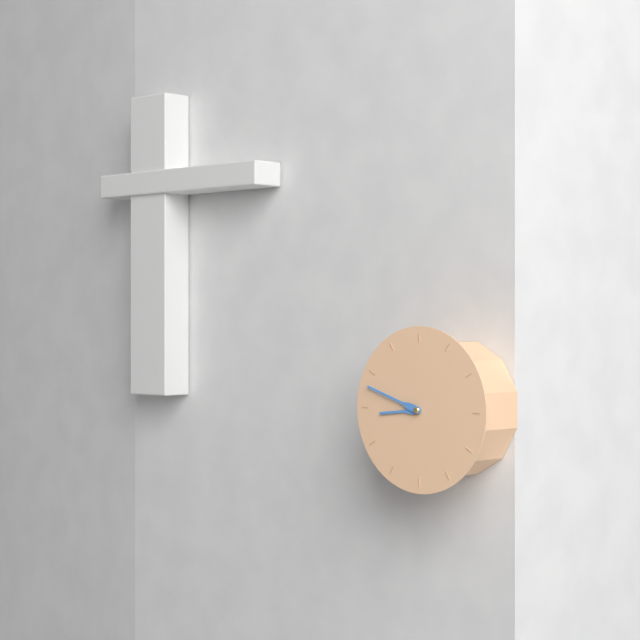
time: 8:48
